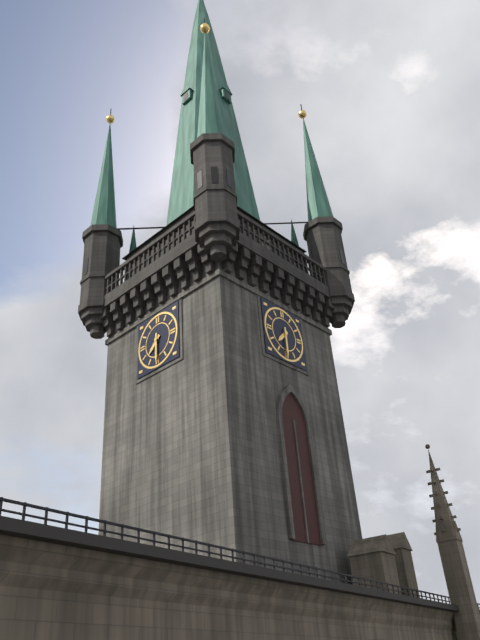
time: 7:30
